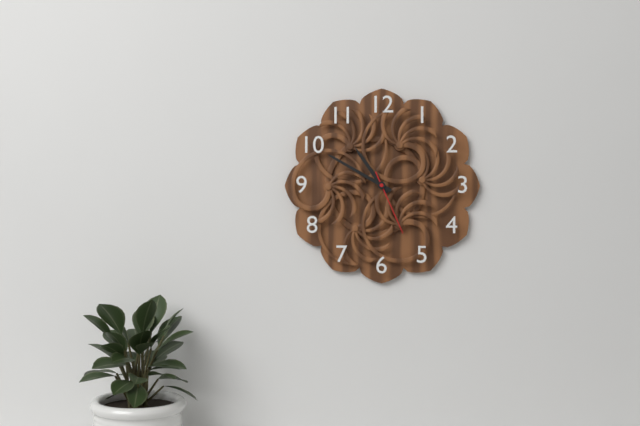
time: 10:50:26
